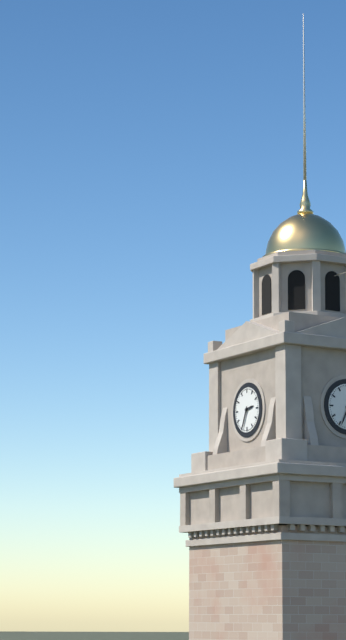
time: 2:34
